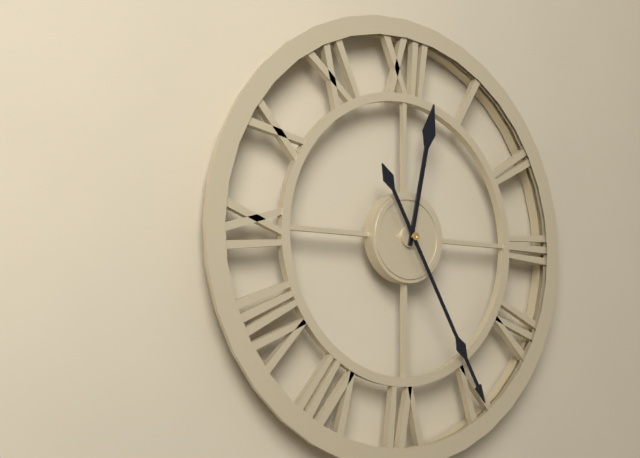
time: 12:25
